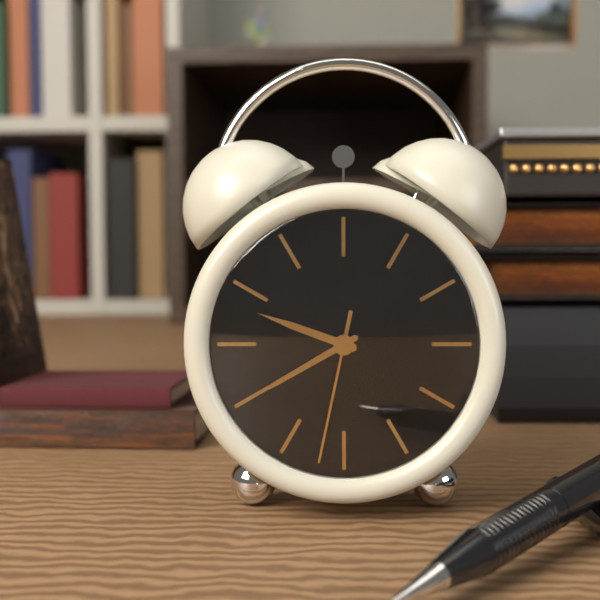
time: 9:40:32
